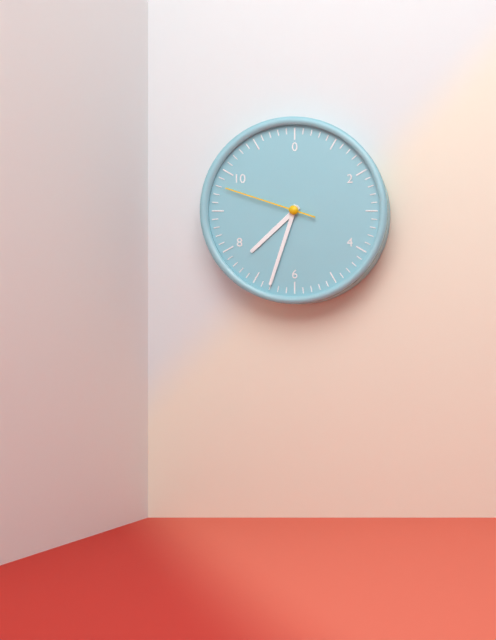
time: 7:33:48
